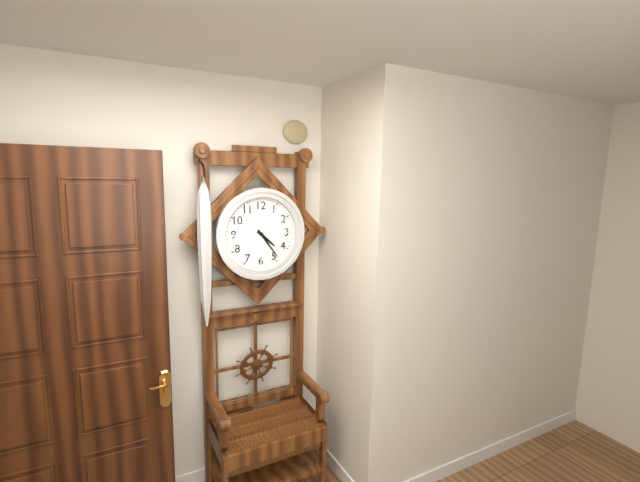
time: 4:24
